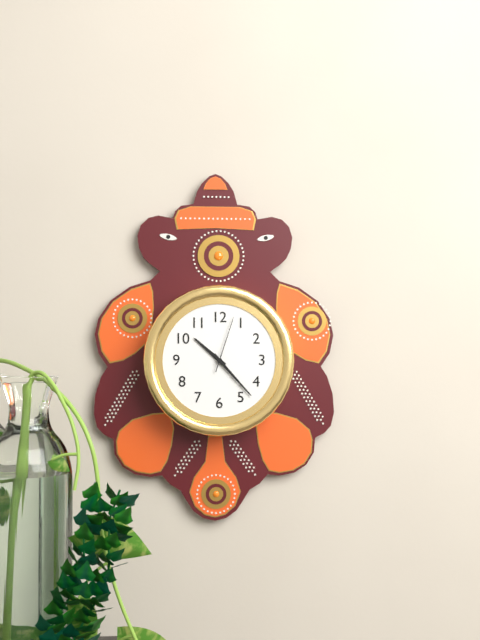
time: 10:23:03
